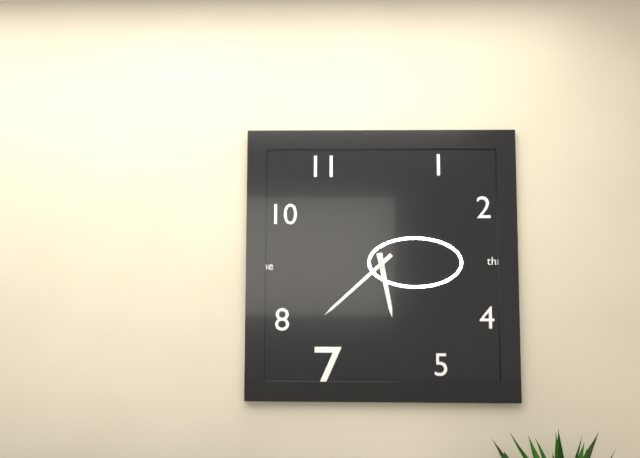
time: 5:38
